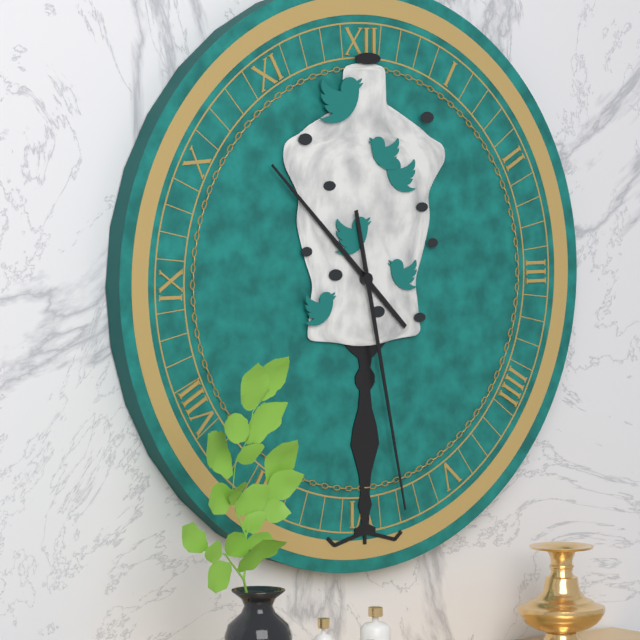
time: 10:28
